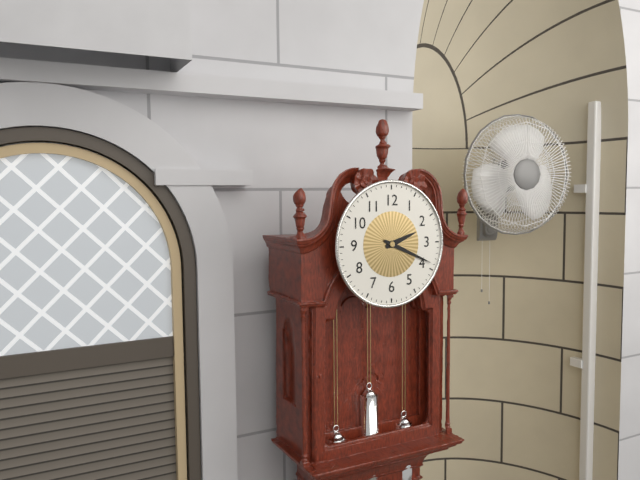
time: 2:19
